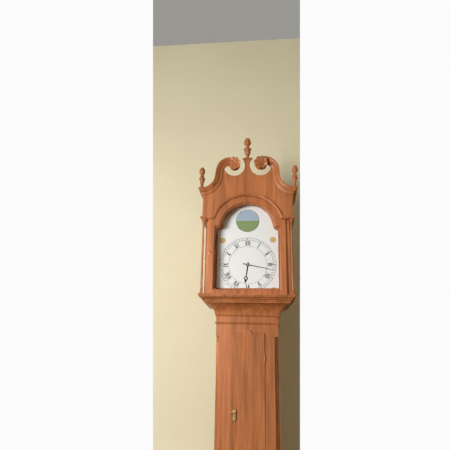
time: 6:17
